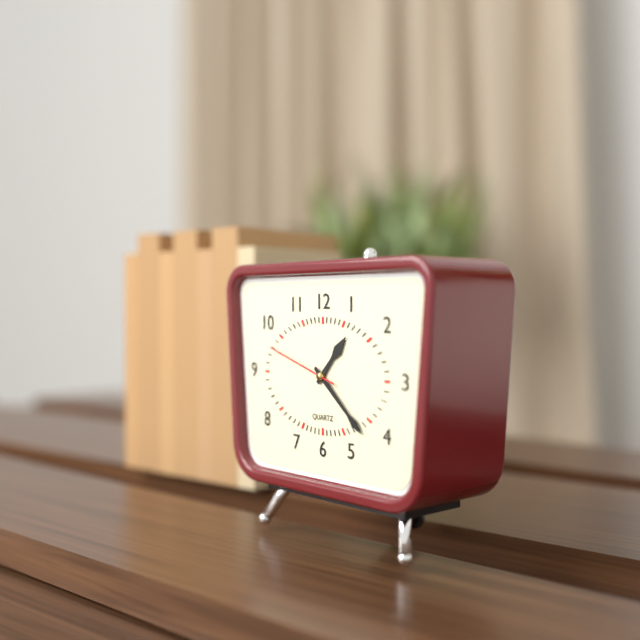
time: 1:22:48
